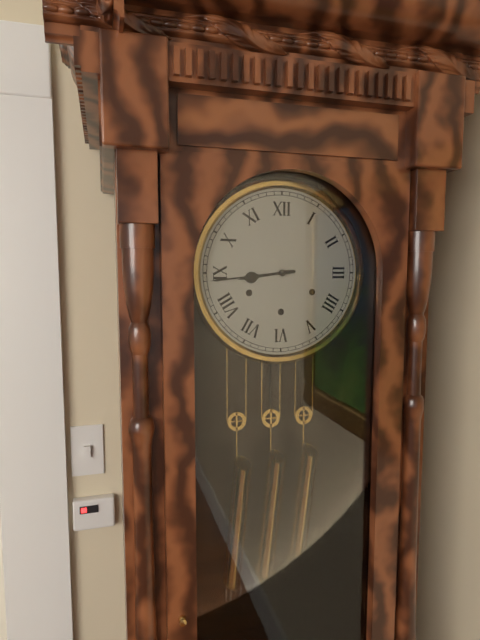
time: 8:44
